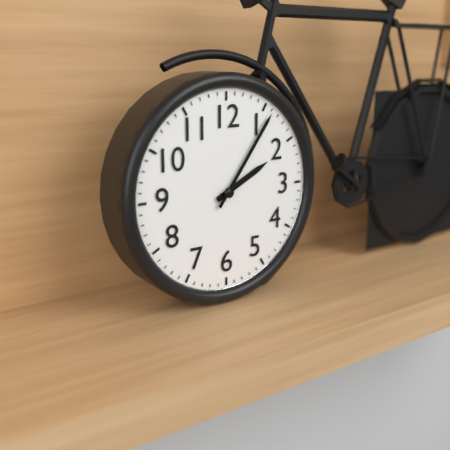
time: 2:06
